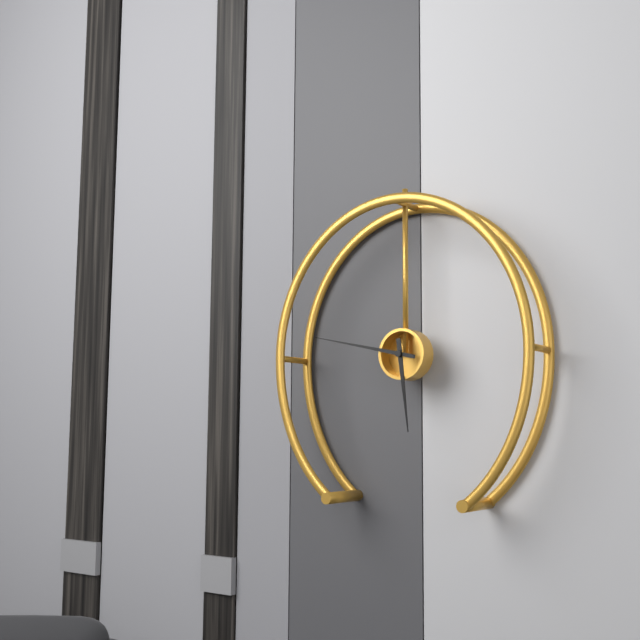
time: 5:47
